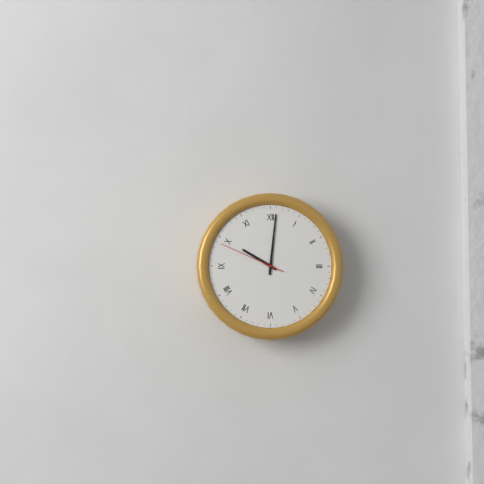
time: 10:01:49
